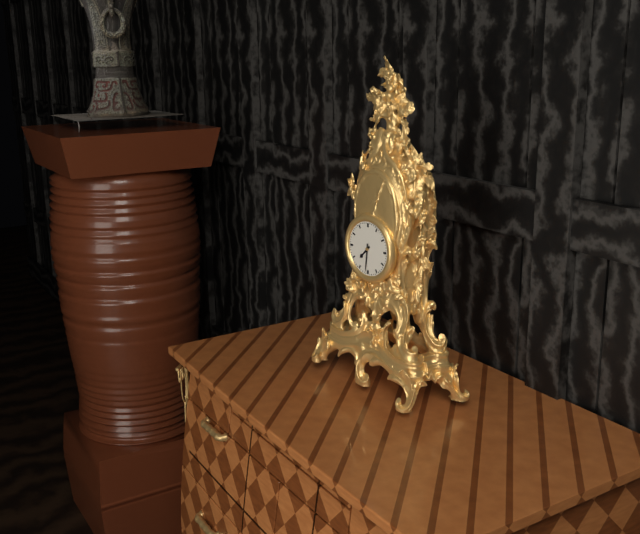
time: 7:31
